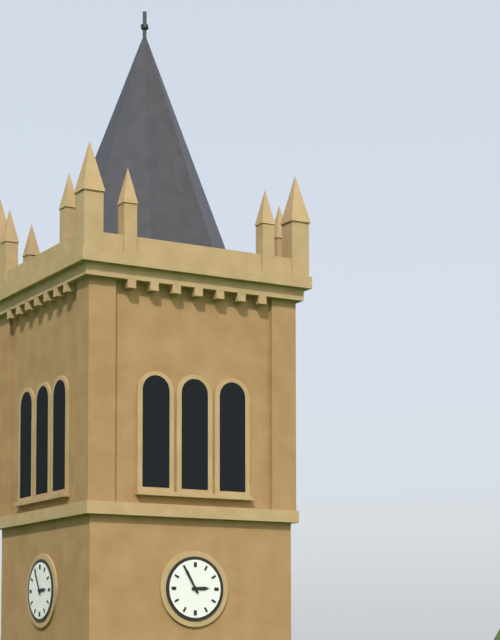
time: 2:55
